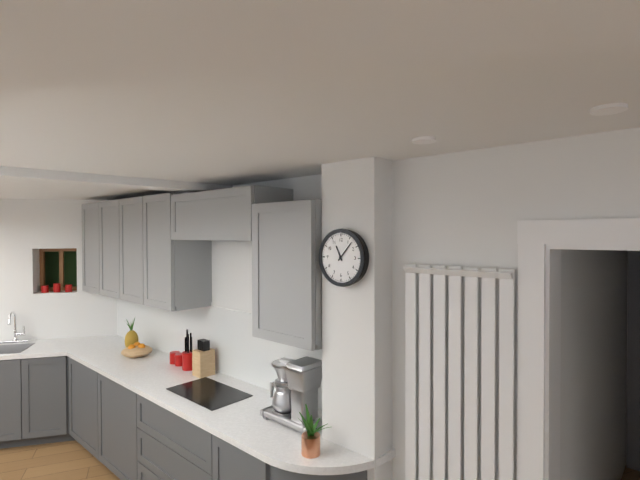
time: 11:07
